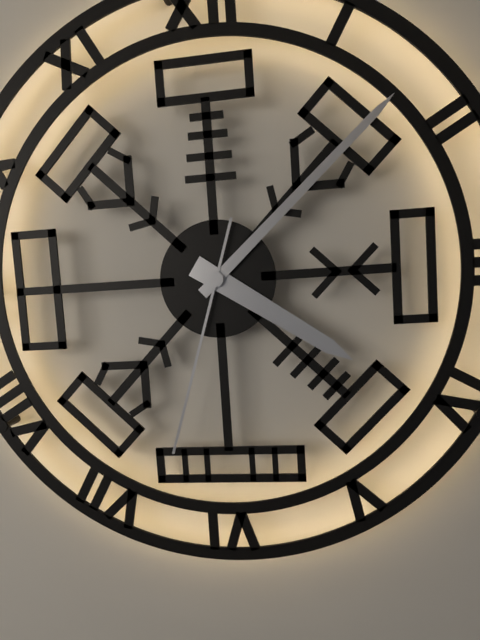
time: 4:08:33
